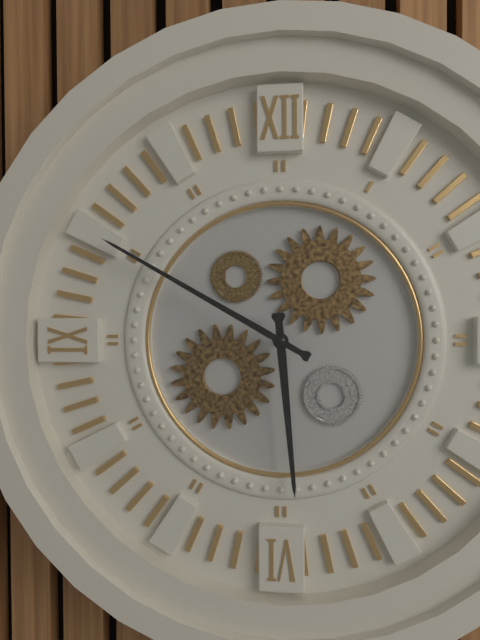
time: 5:50
